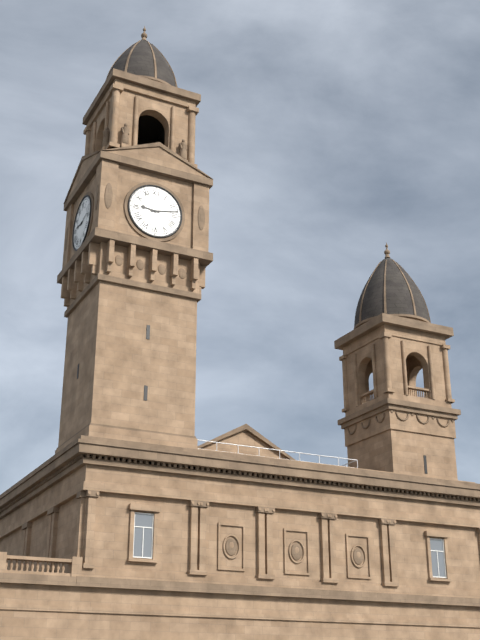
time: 9:13
